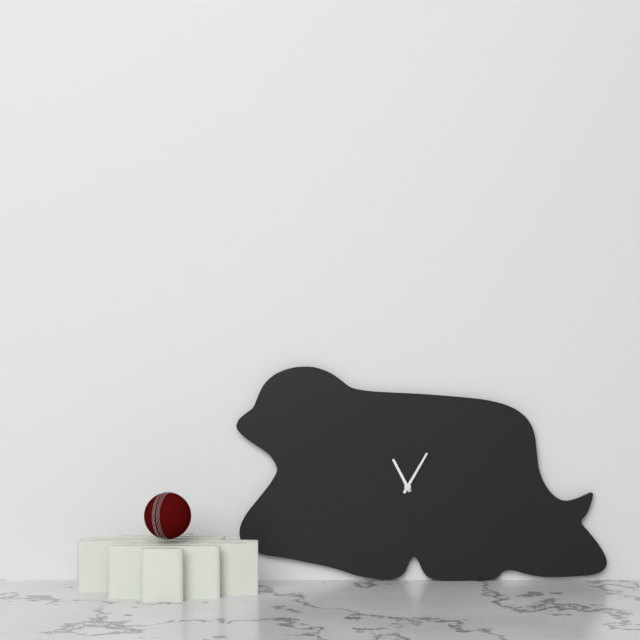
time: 11:05
